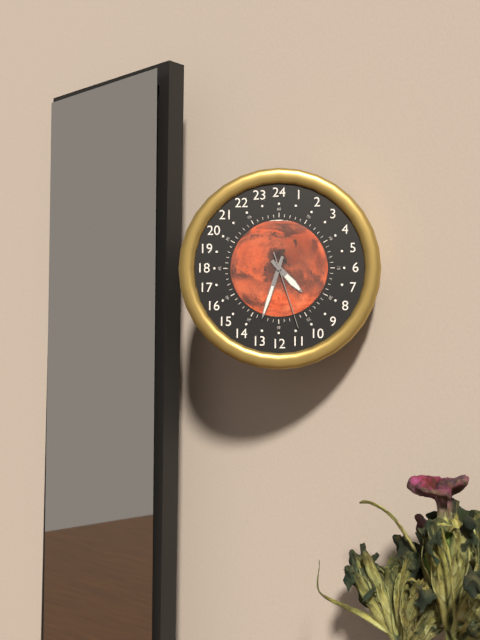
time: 4:33:27
